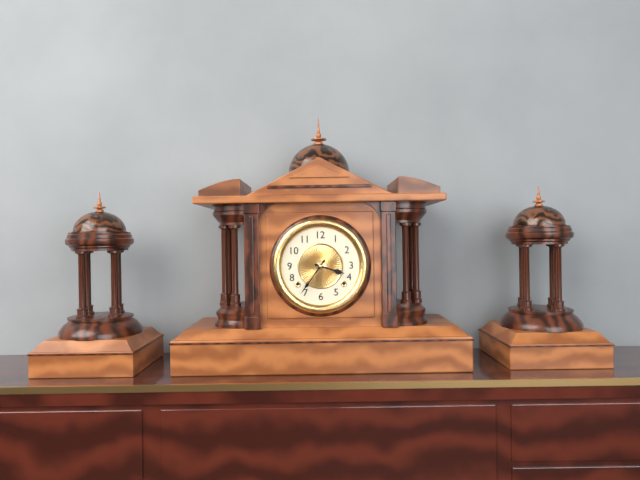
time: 3:36
